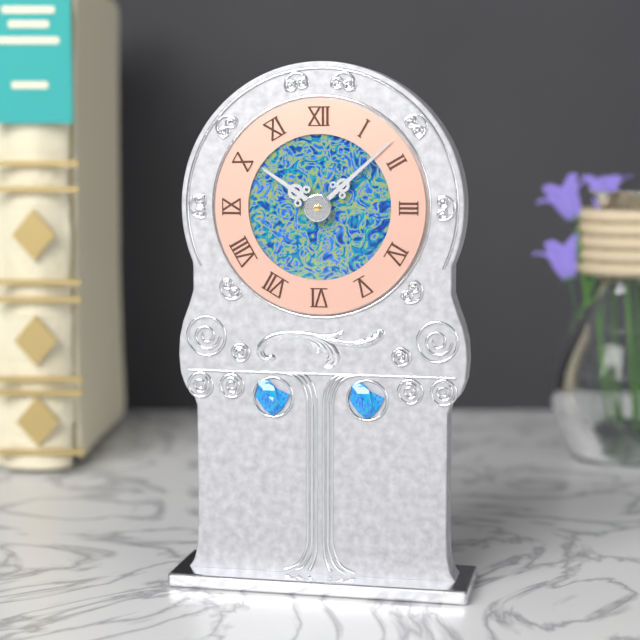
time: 10:08
